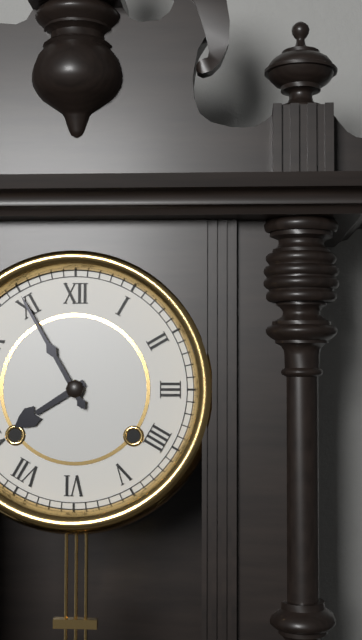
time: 7:55
